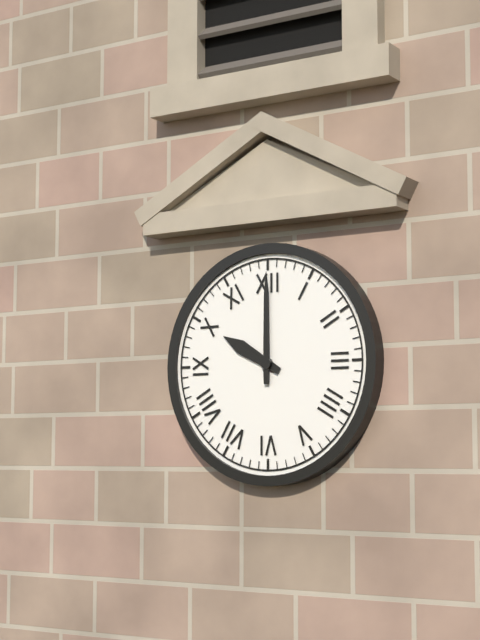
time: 10:00
